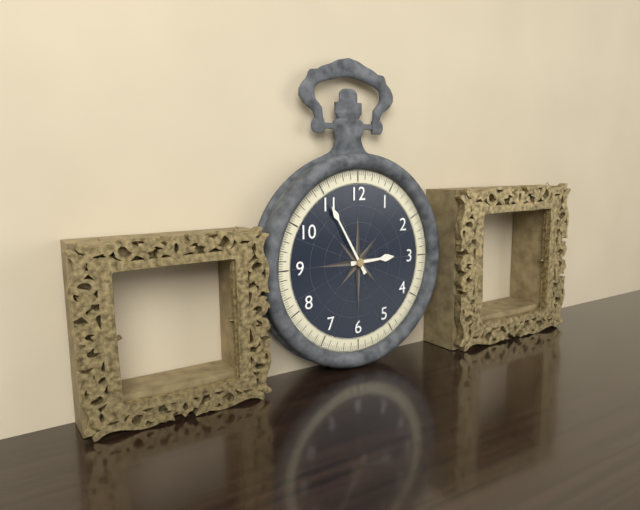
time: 2:55
